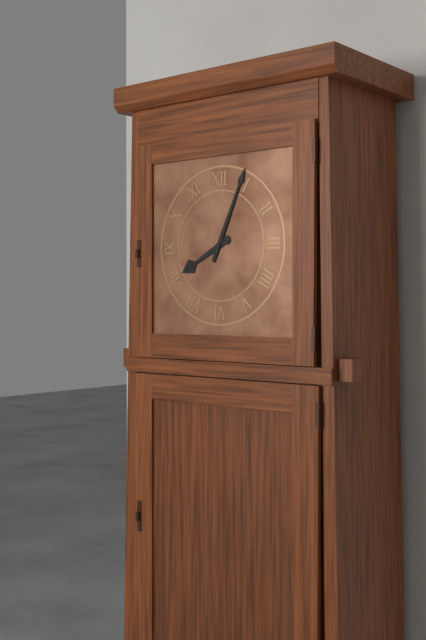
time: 8:04
